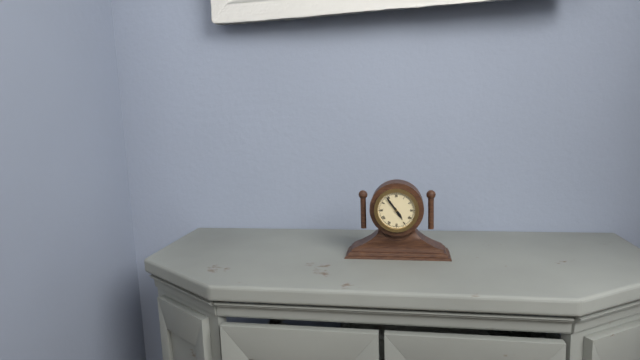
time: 4:54
